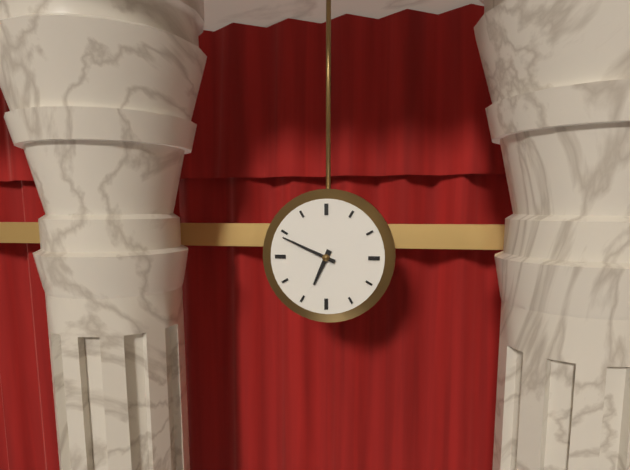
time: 6:49
